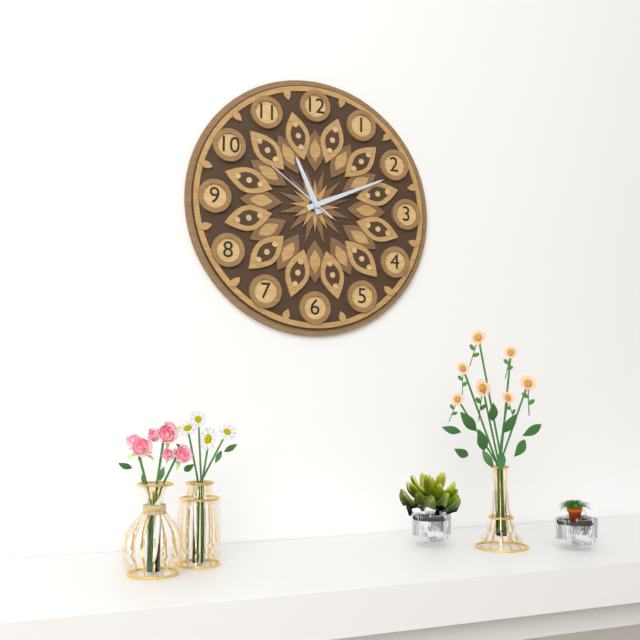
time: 11:11:51
